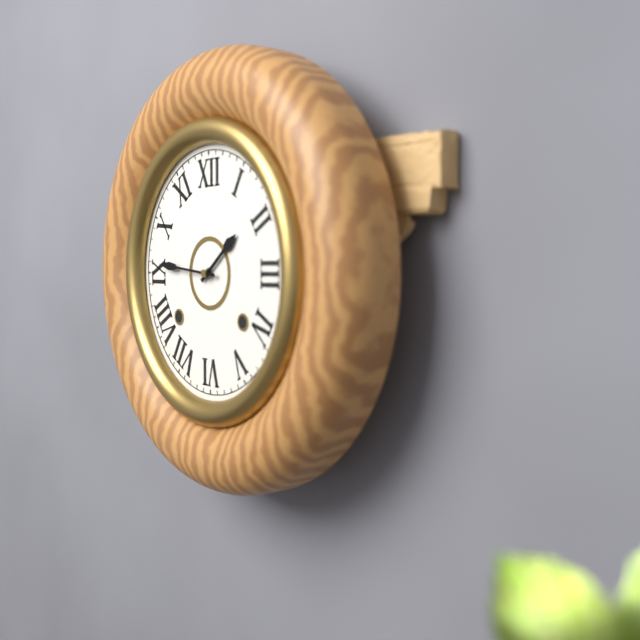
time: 1:46
